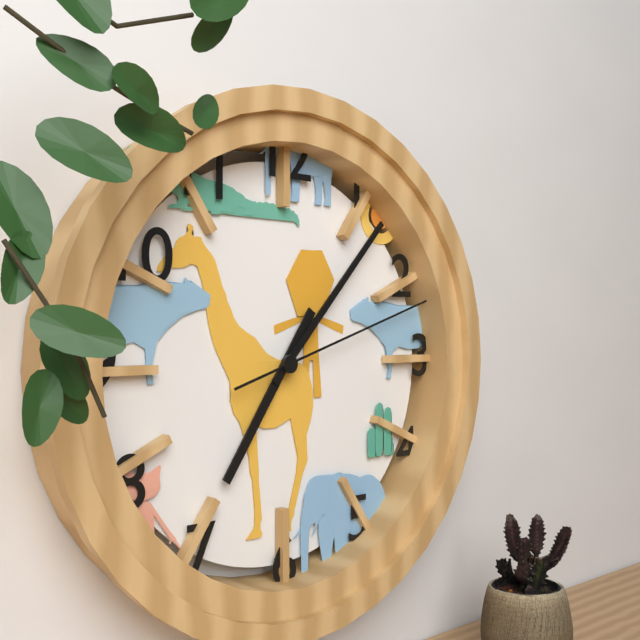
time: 7:07:12
